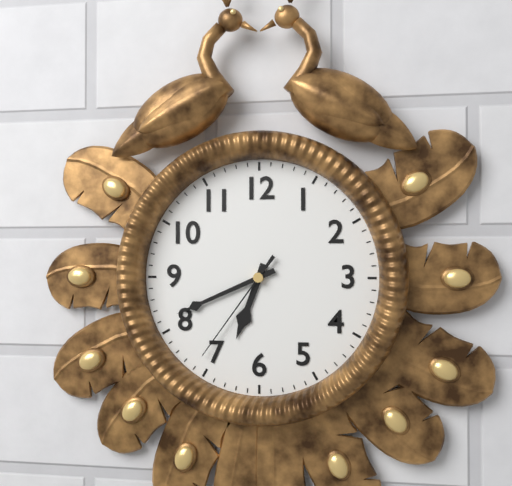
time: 6:41:36
